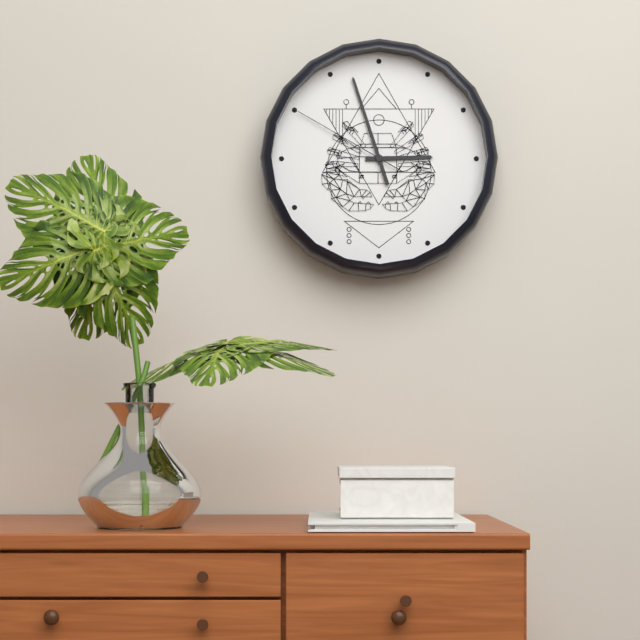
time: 2:57:50
